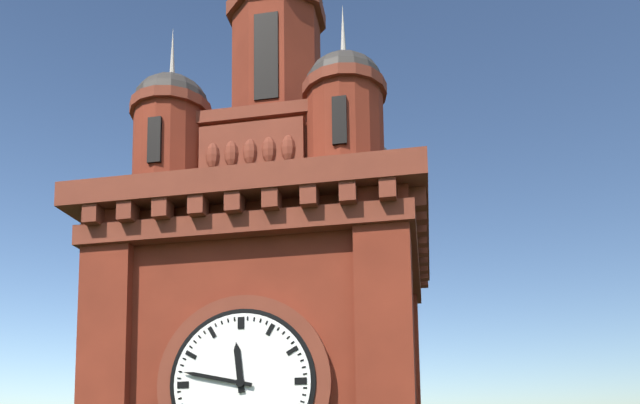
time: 11:47
